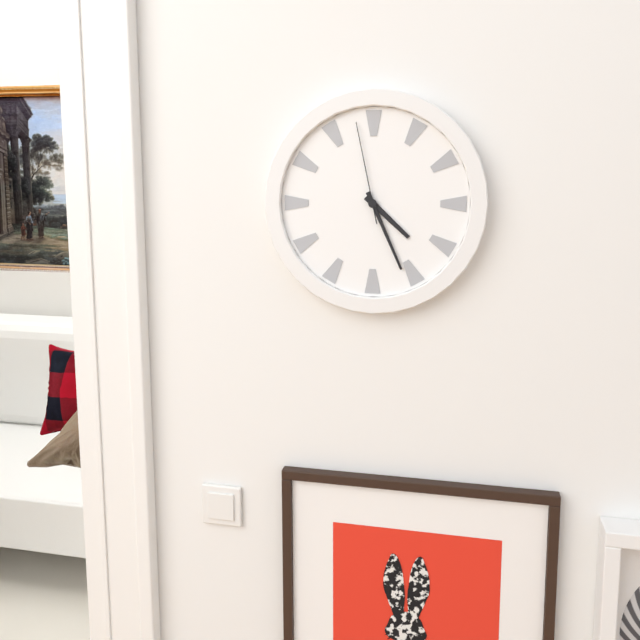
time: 4:26:58
